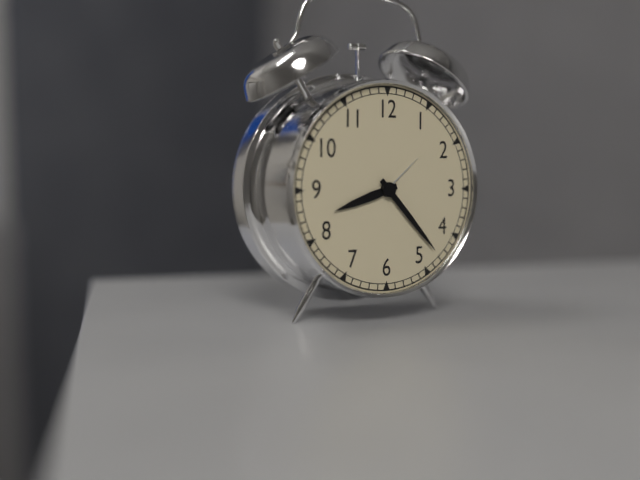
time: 8:23
